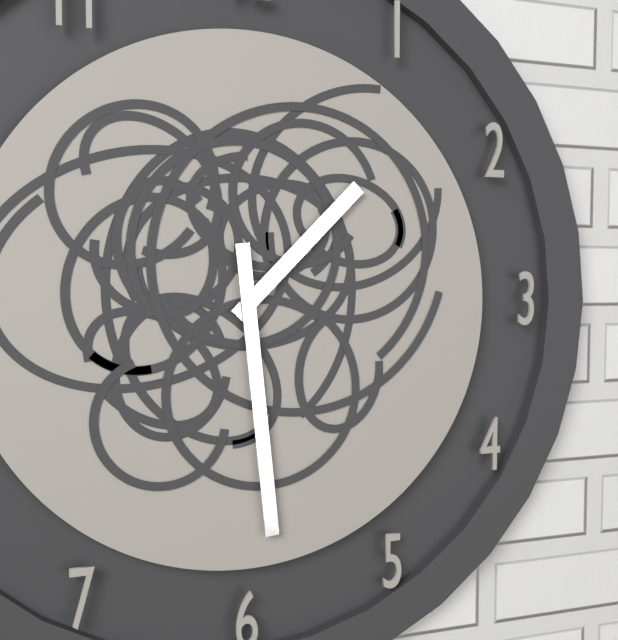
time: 1:29
